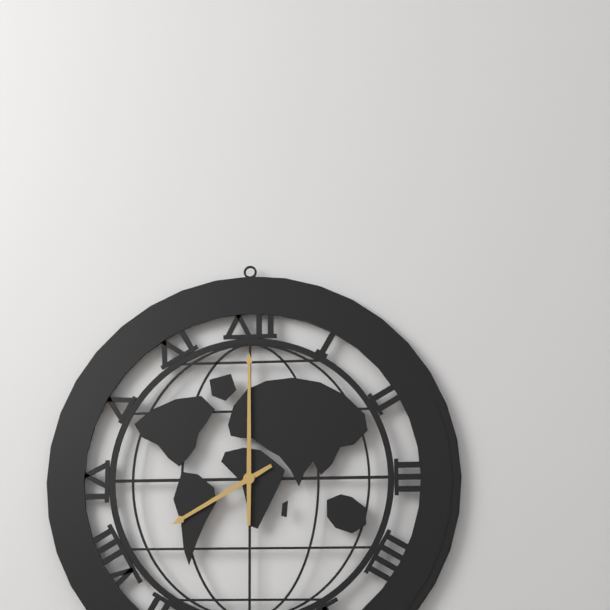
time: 8:00
